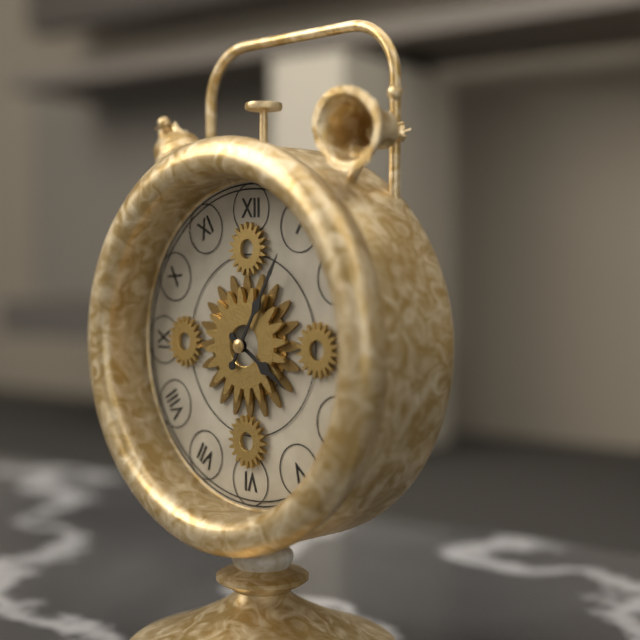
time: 4:05
